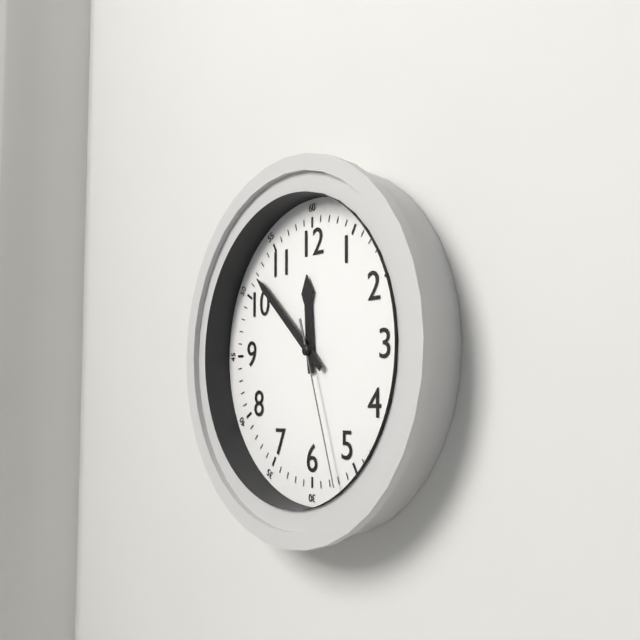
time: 11:52:27
